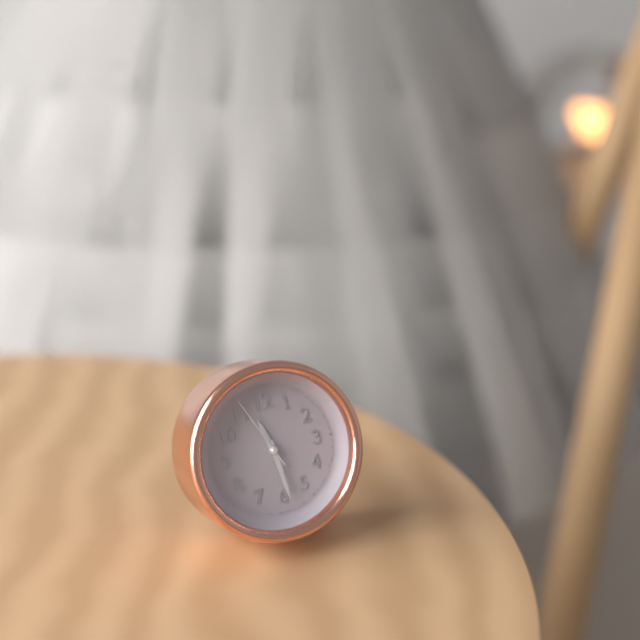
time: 11:29:56
